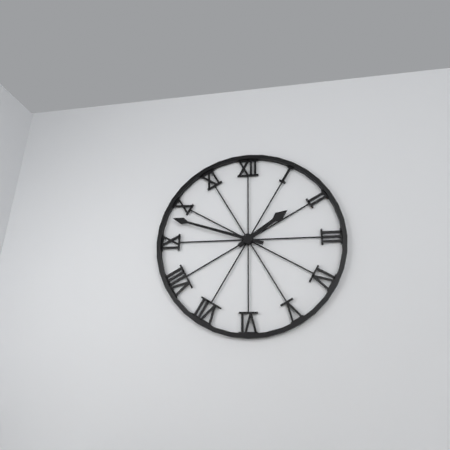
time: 1:48
